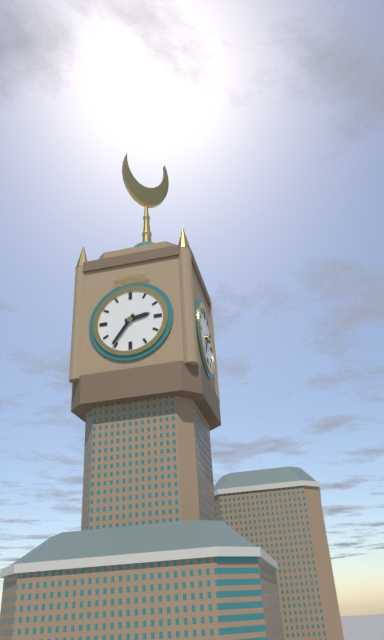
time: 2:36
